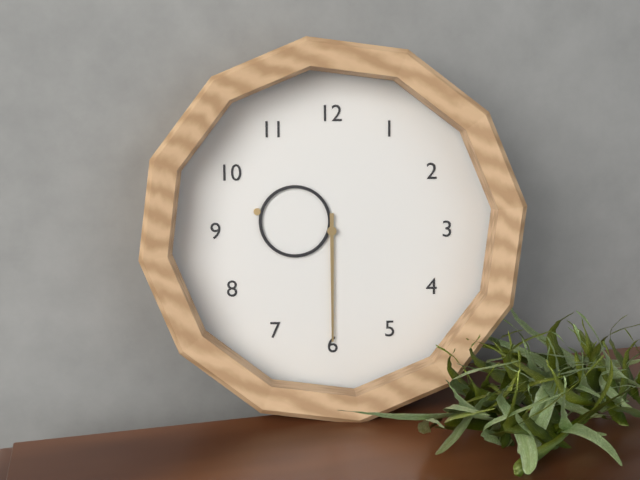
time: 9:30
